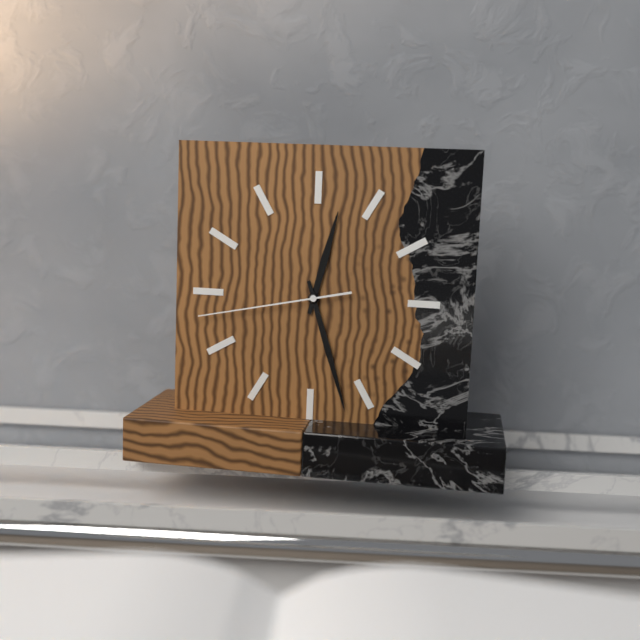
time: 12:27:43
